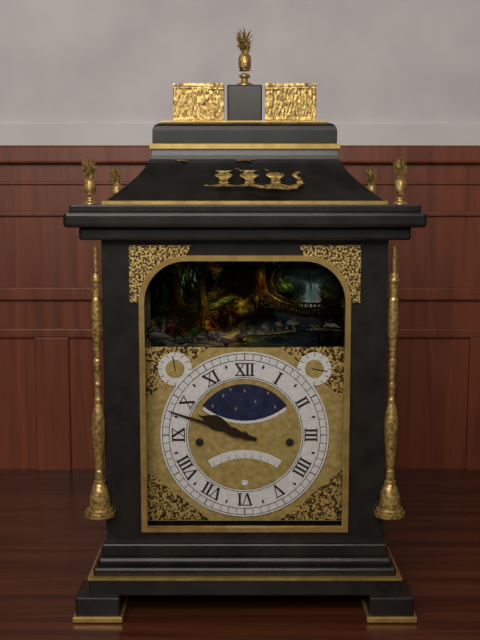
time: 9:48
